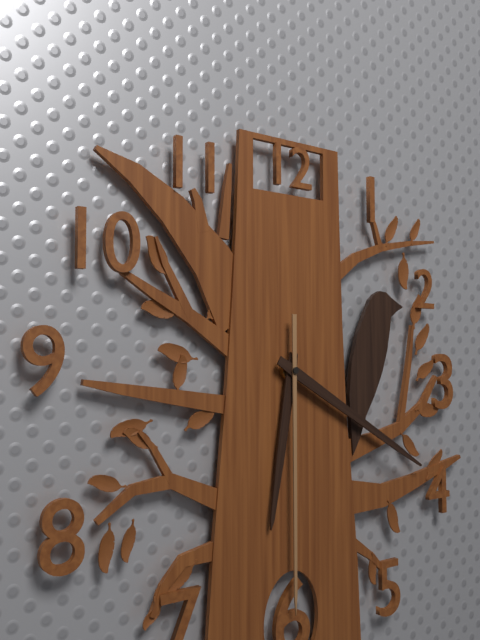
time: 6:20:30
